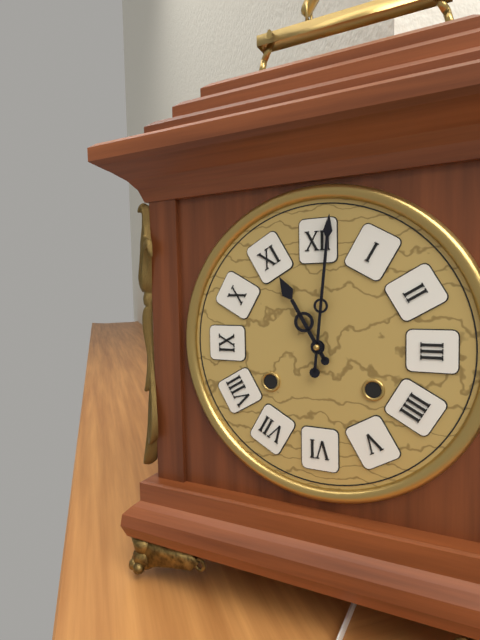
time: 11:01
